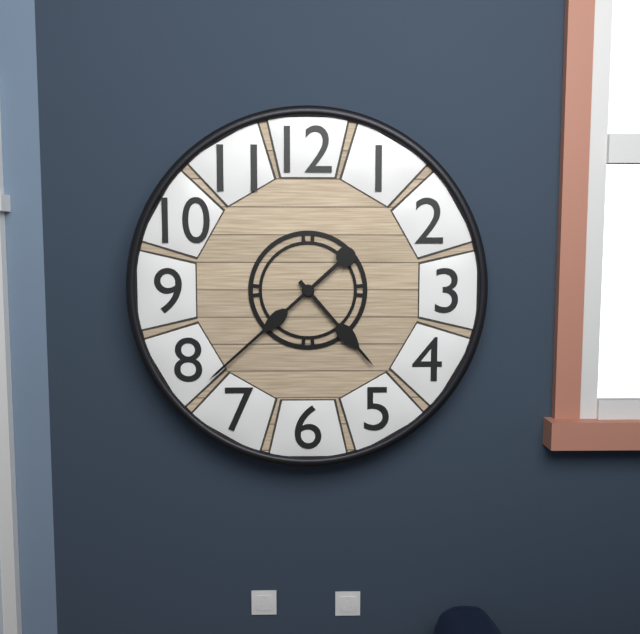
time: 4:38
